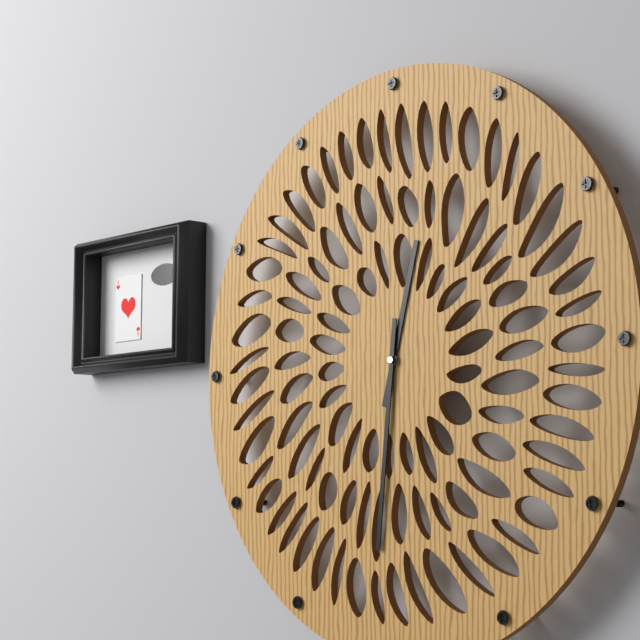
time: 12:31
